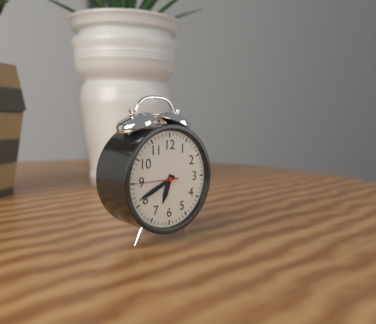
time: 6:41
